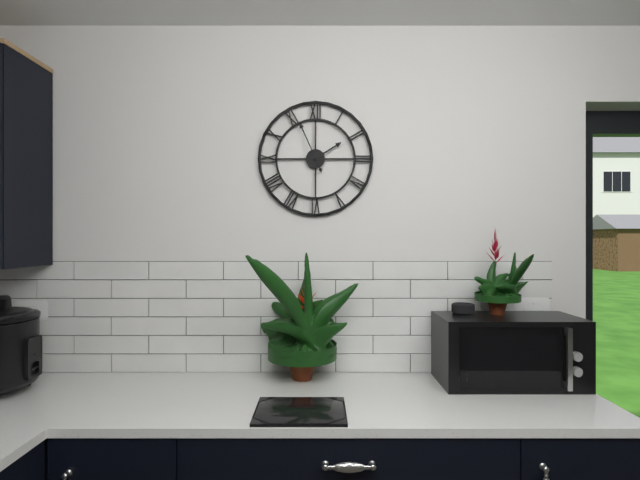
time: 1:56
